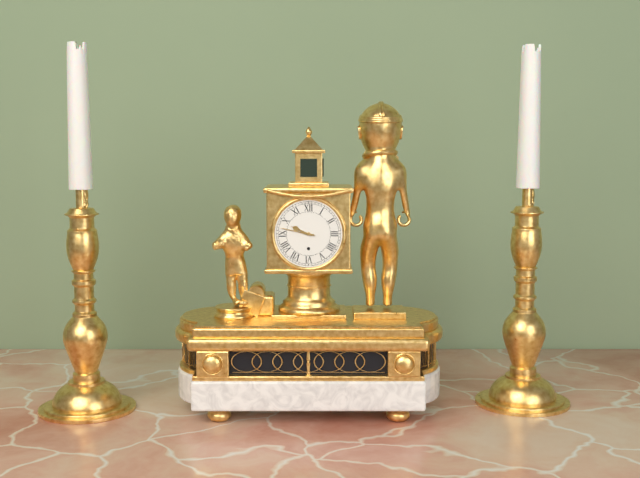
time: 9:47
